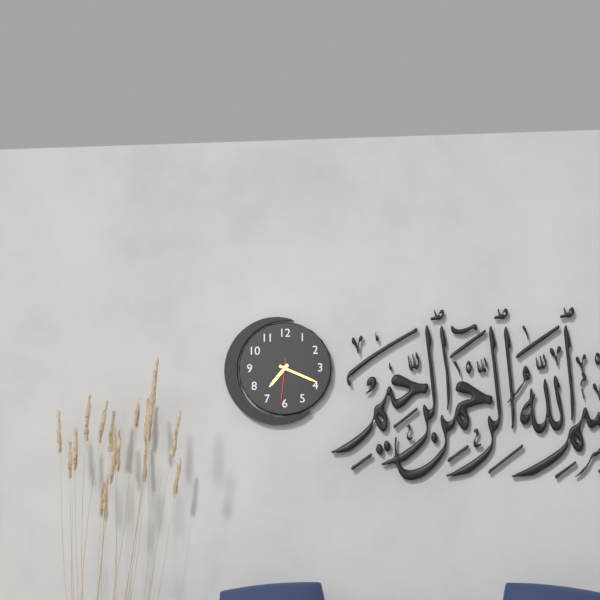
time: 7:19
